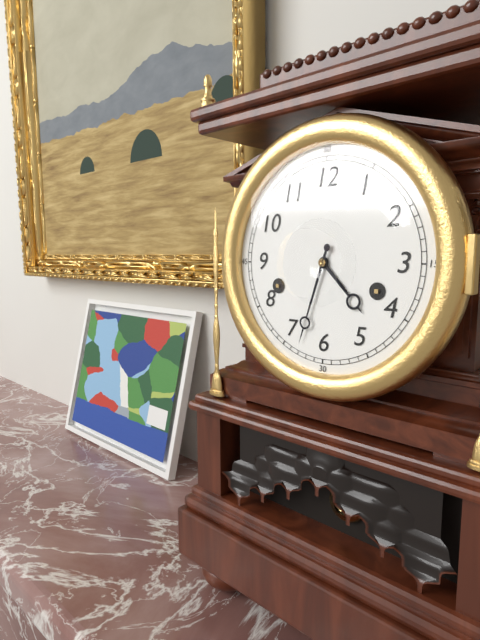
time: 4:33
